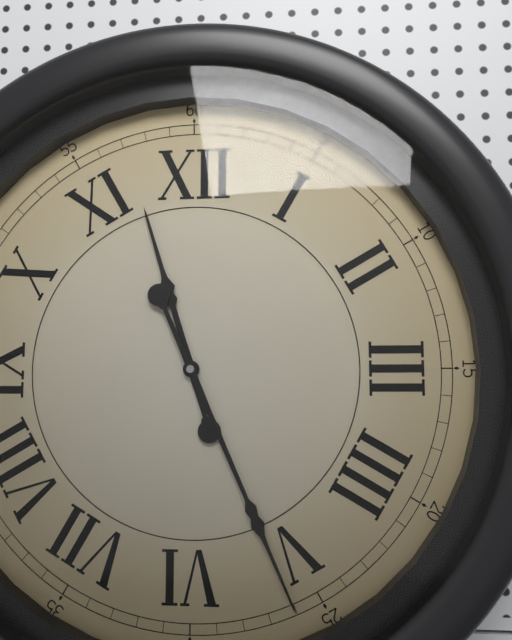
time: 11:26
